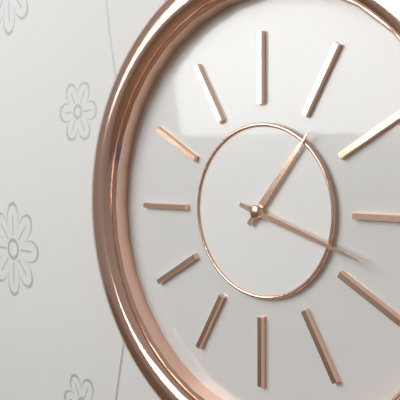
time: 1:18
